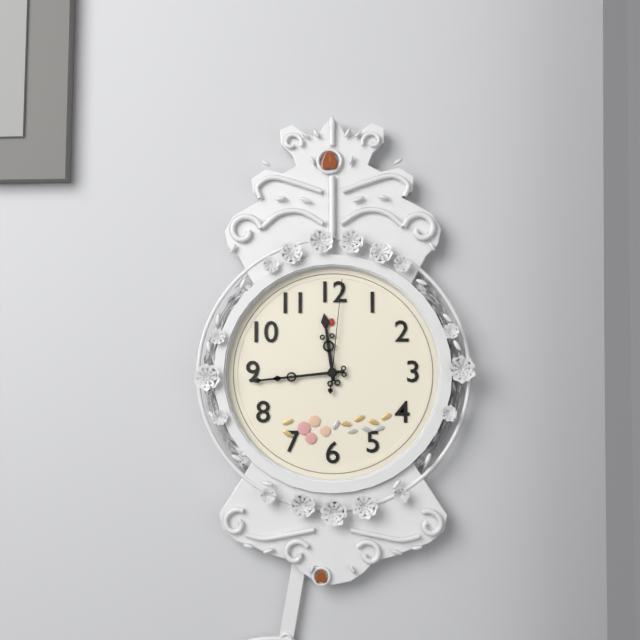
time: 11:44:01
